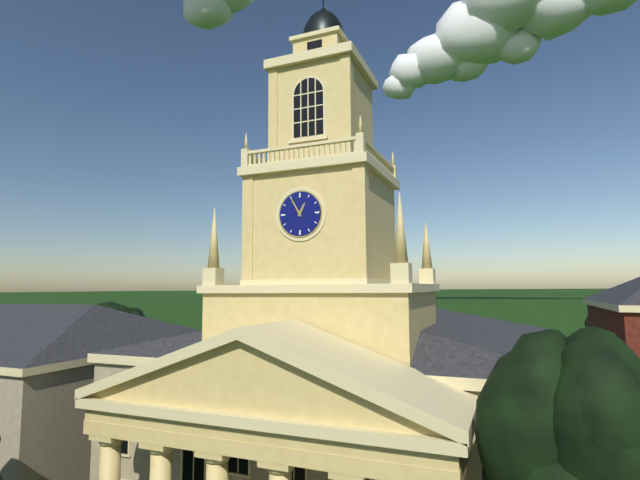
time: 12:55
